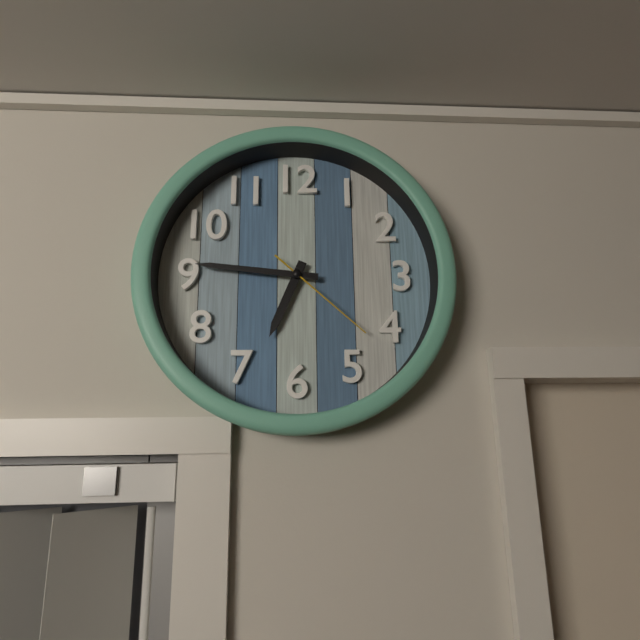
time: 6:46:22
